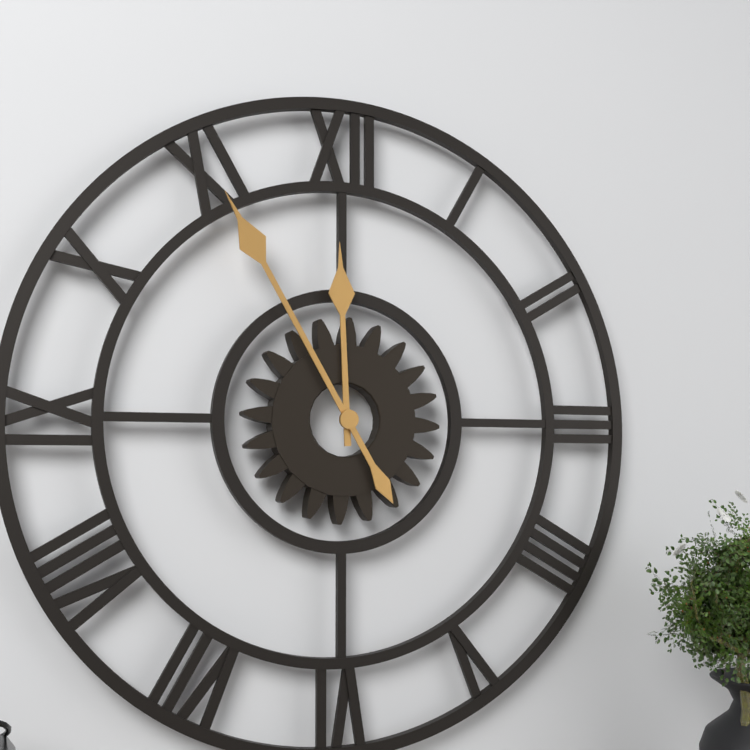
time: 11:55
